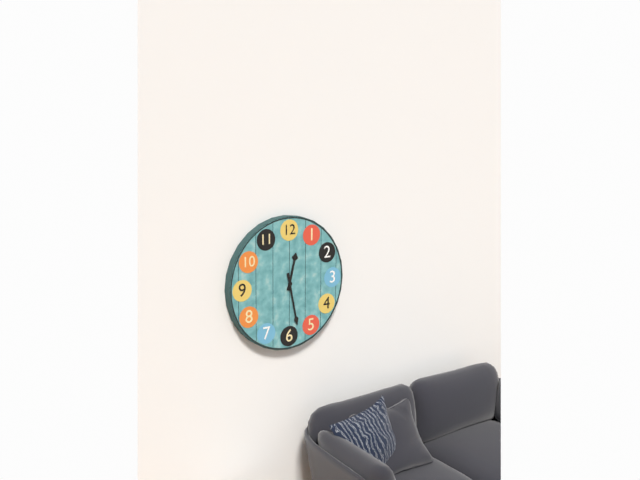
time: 12:28
